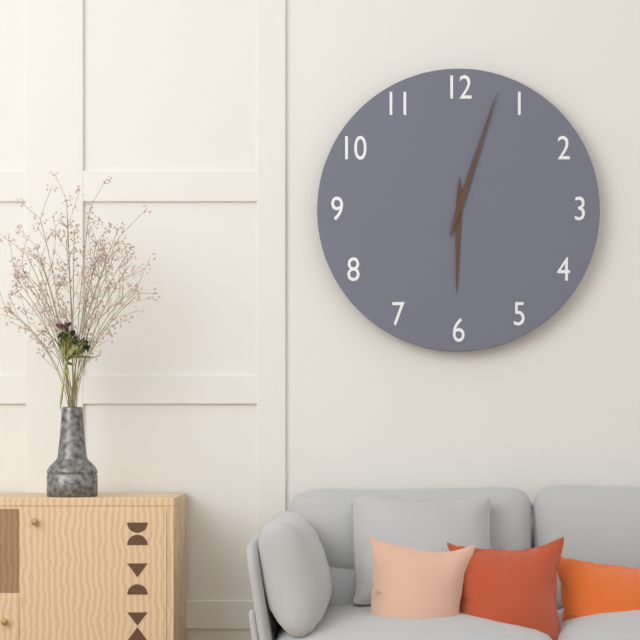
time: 6:03
